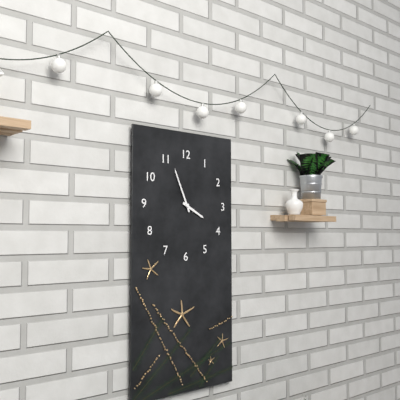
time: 3:56
